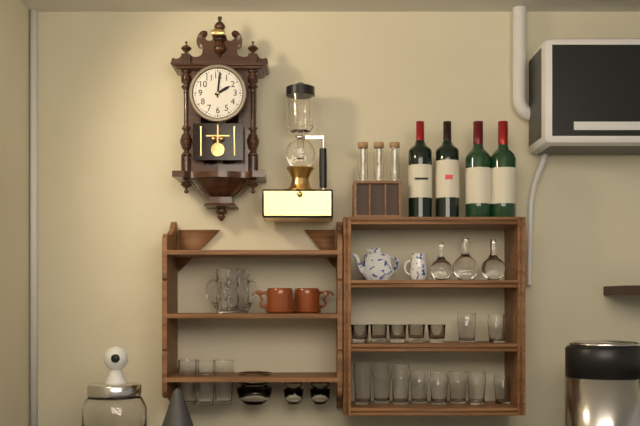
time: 2:01
